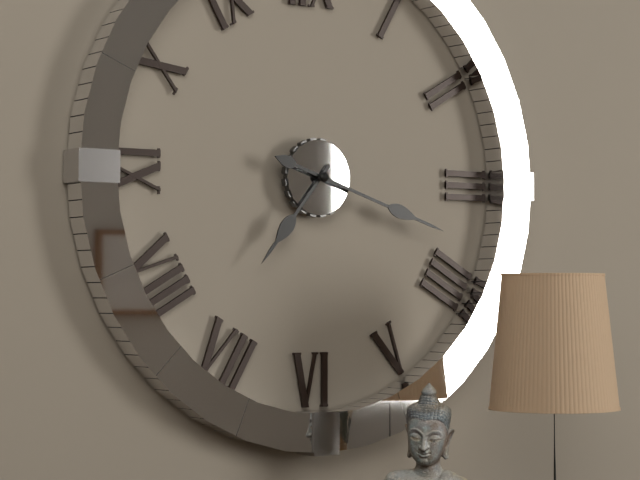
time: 7:18
